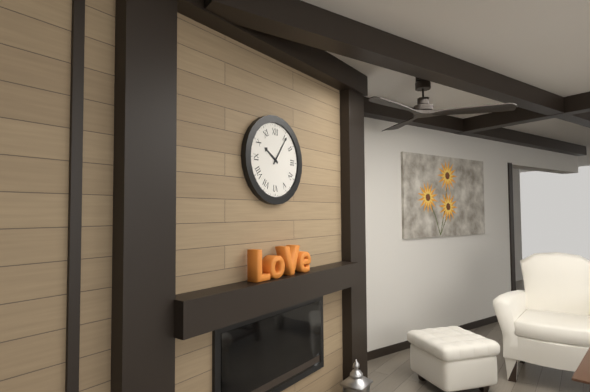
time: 10:06
